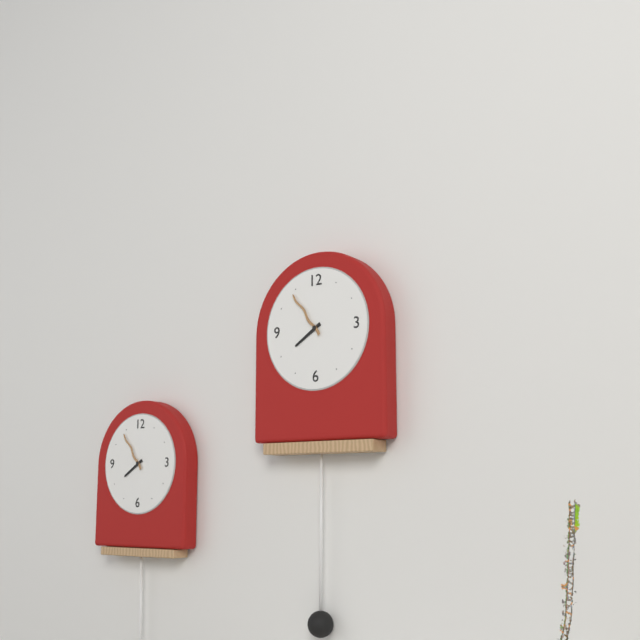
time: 7:54
